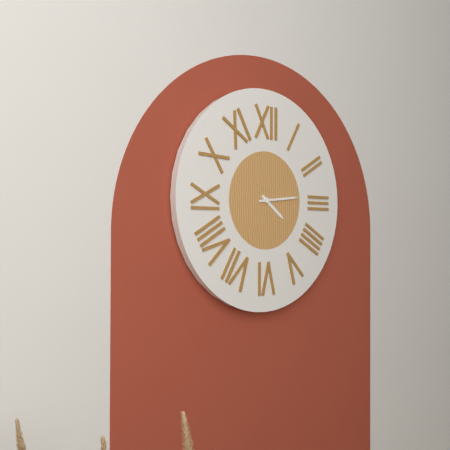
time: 4:14
